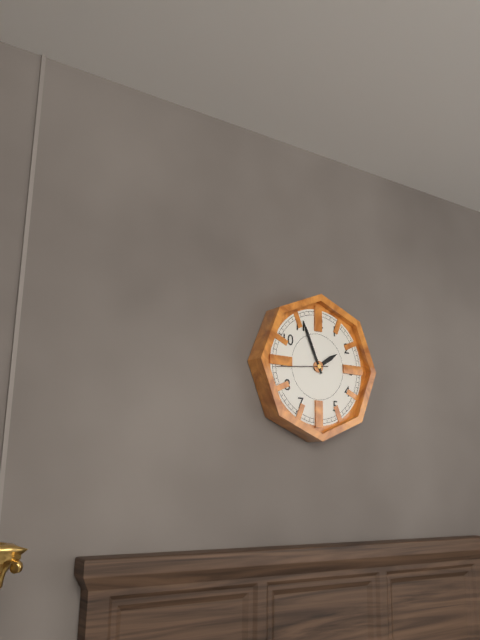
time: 1:56:44
